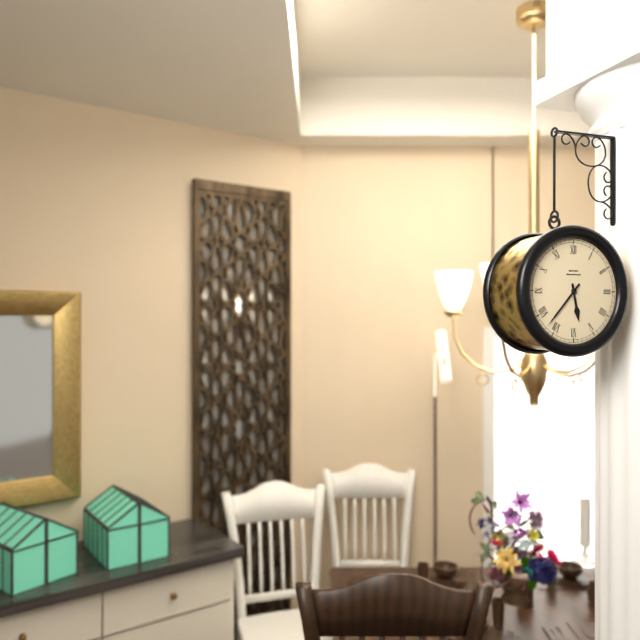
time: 5:37
